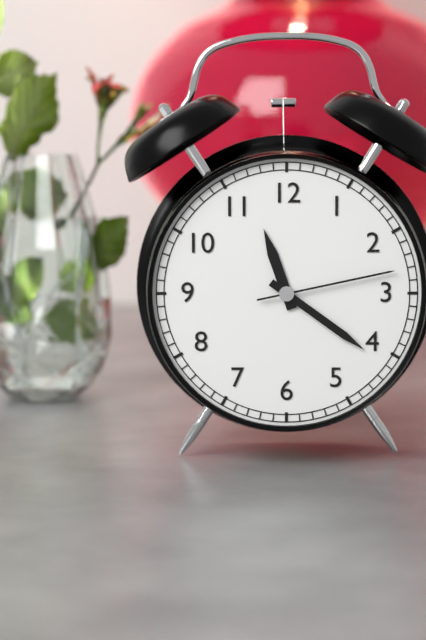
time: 11:21:13
